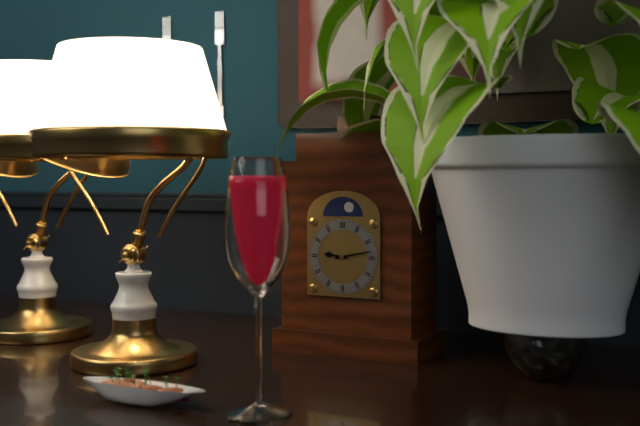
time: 9:13
